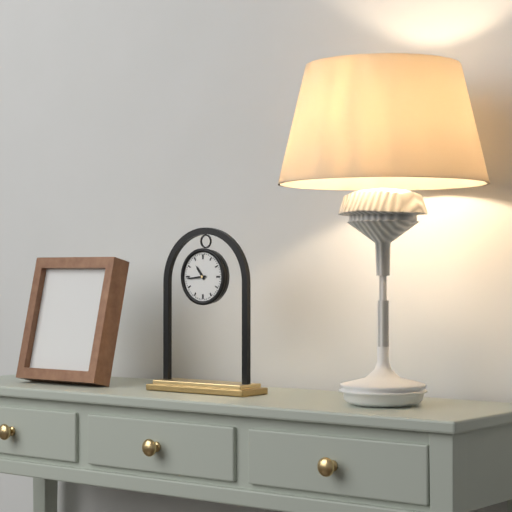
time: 10:44
